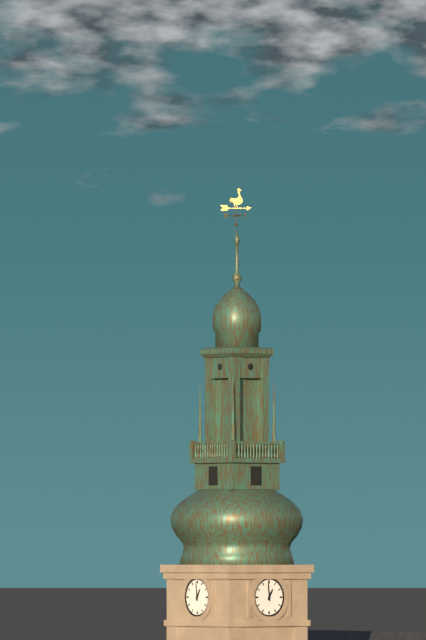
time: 12:59
